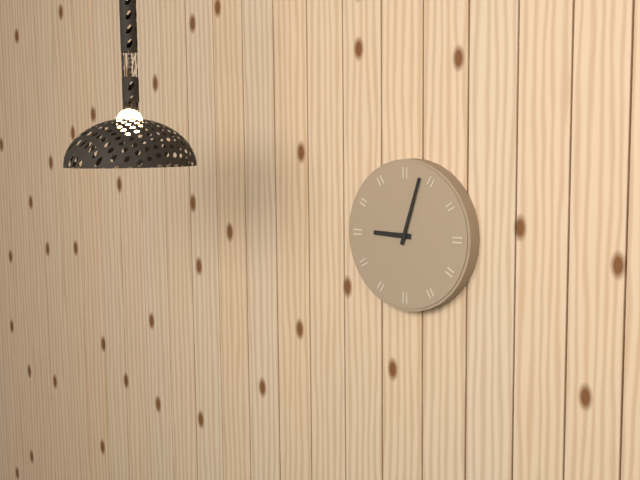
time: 9:03
